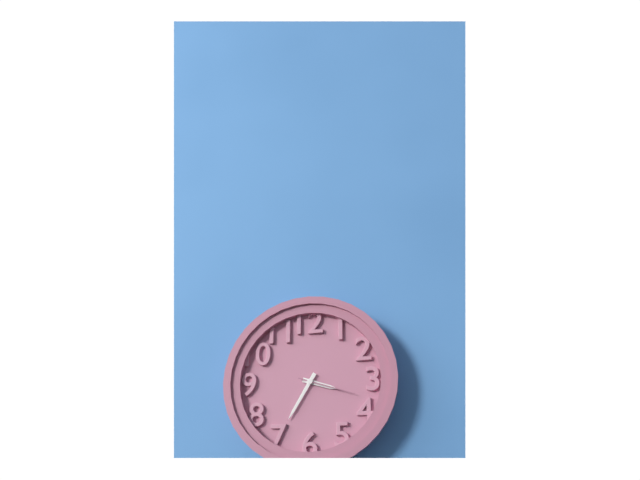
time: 3:35:18
